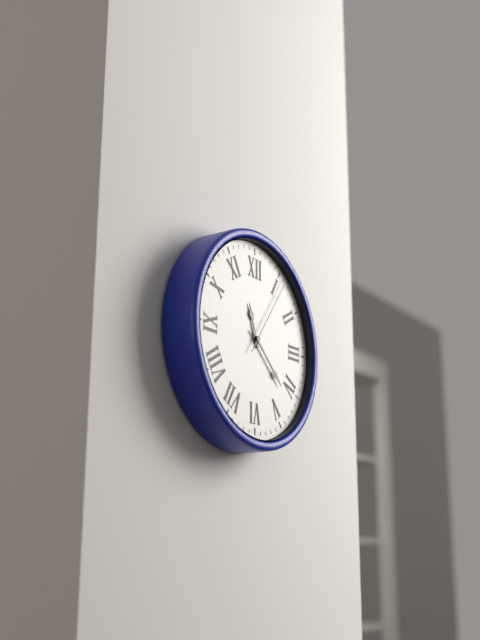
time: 11:22:06
